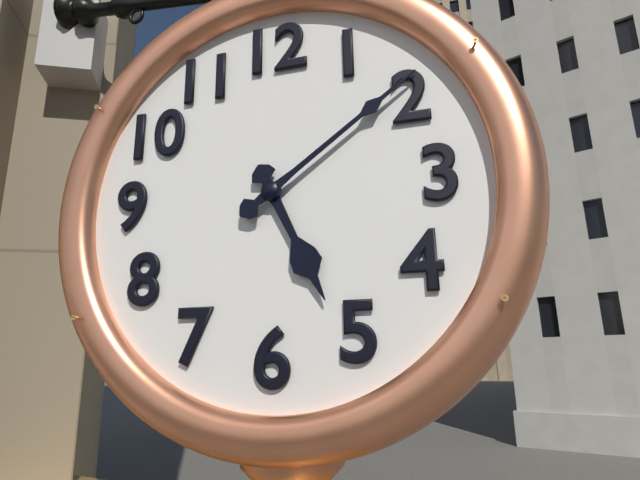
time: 5:09
